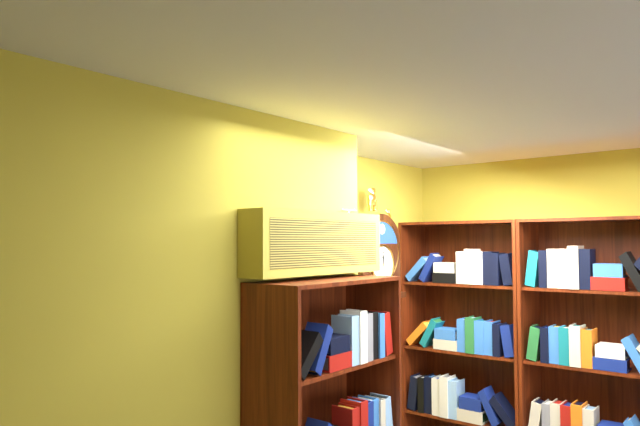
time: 12:01
